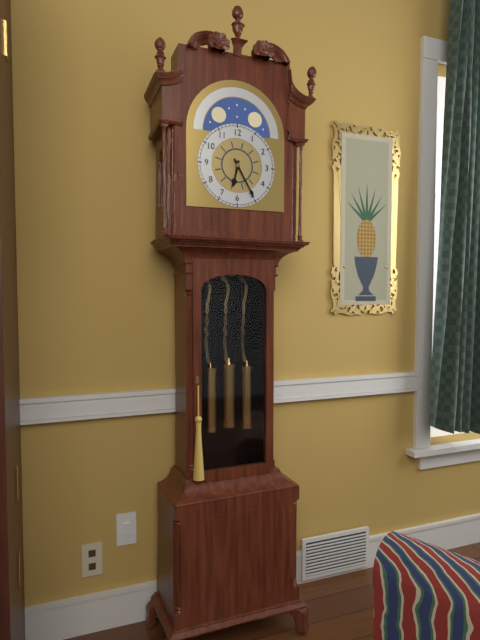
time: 6:25
